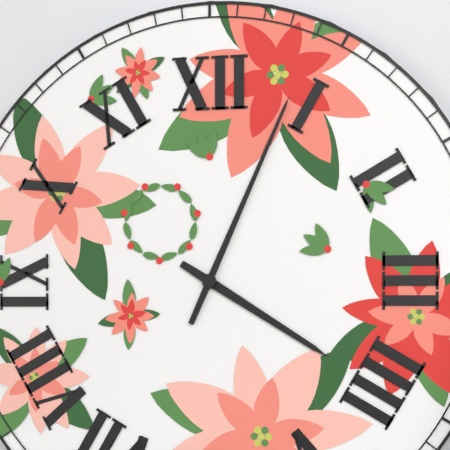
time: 4:04
